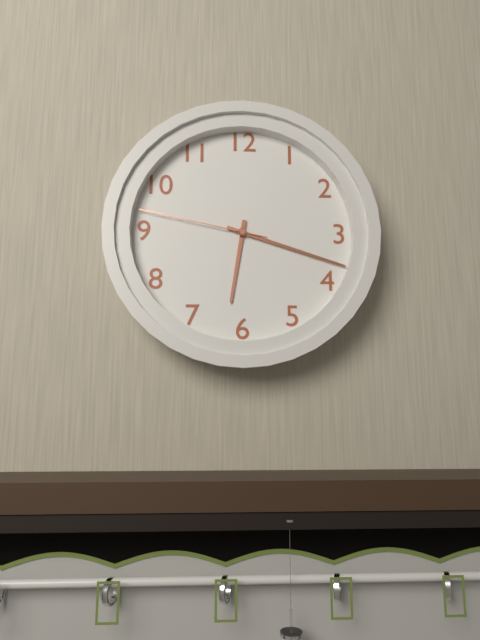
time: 6:18:47
